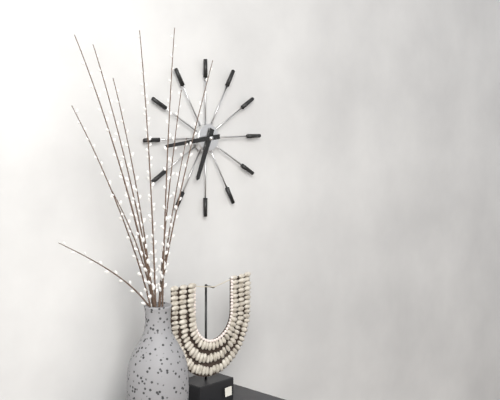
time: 6:44
